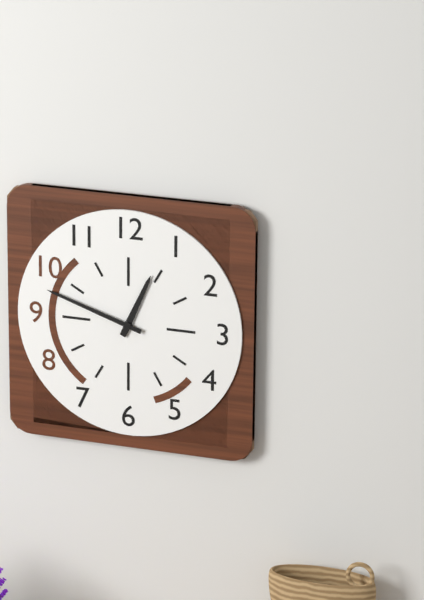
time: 12:48
